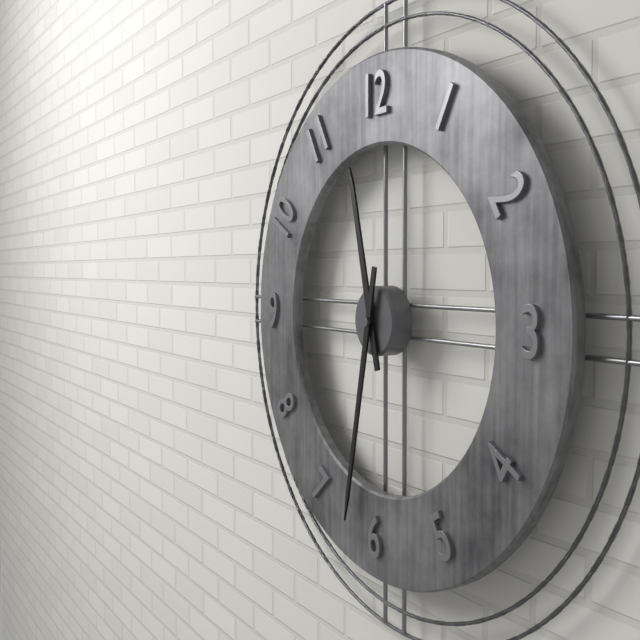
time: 11:32
